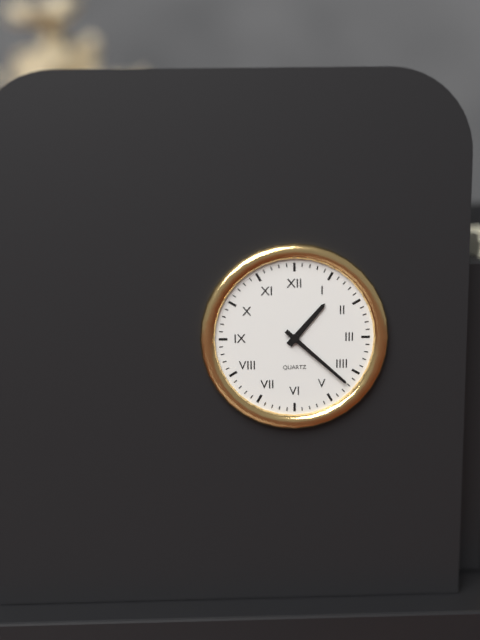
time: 1:22
